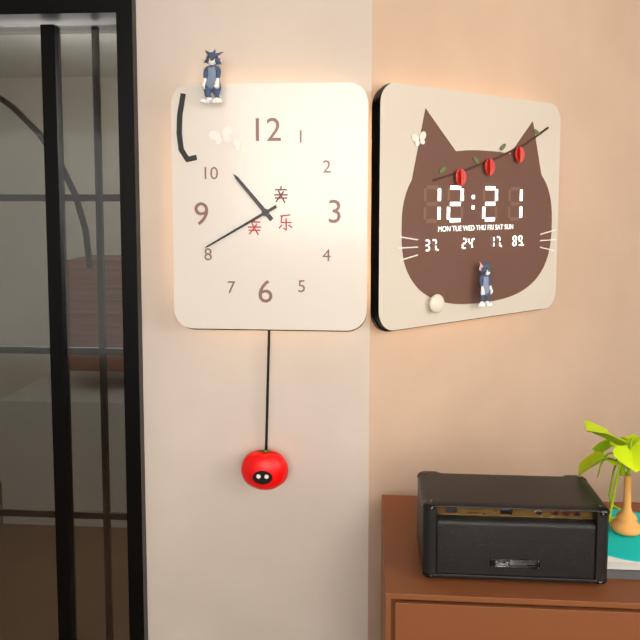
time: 10:40
